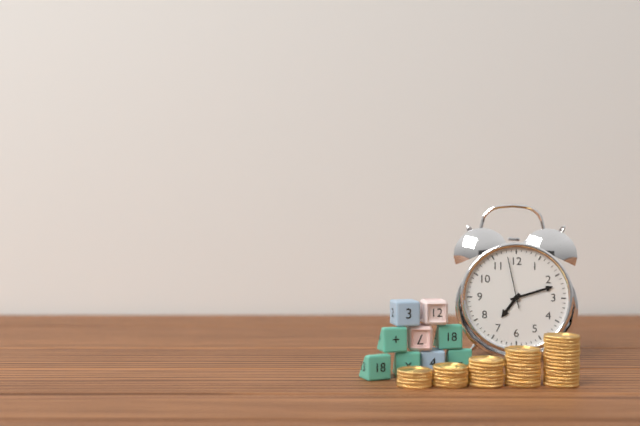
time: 7:12:58
